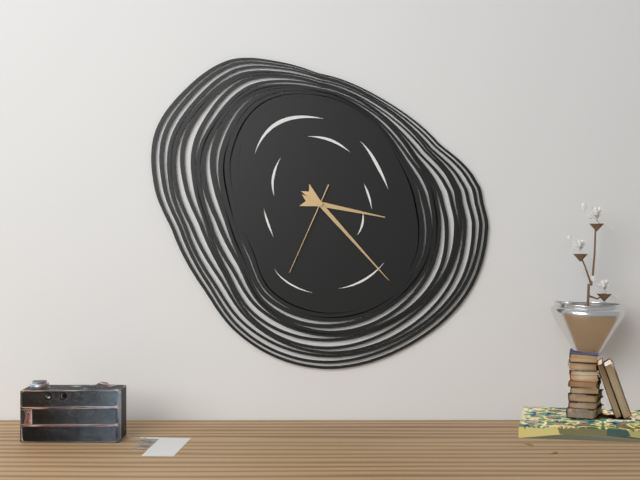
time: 3:23:34
